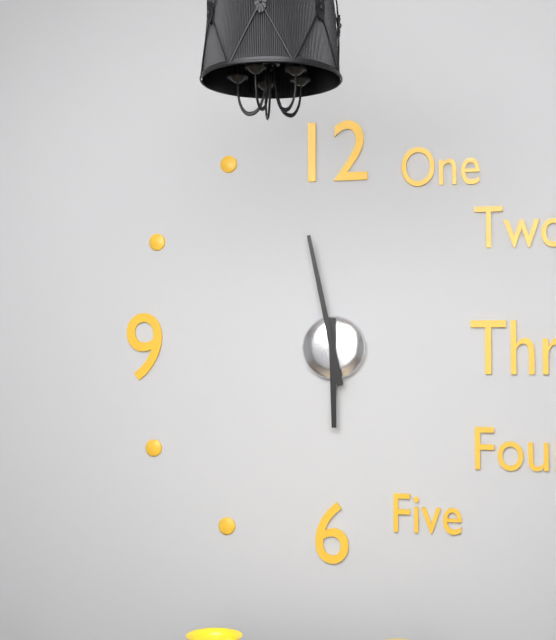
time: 5:58
